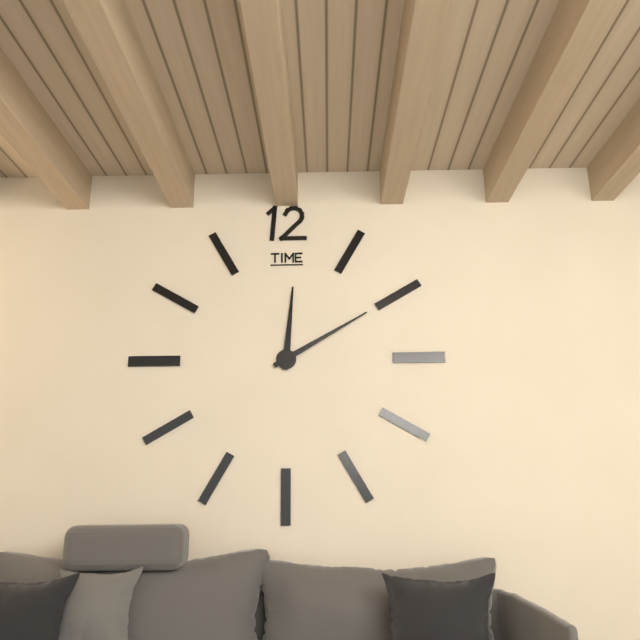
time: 12:10
